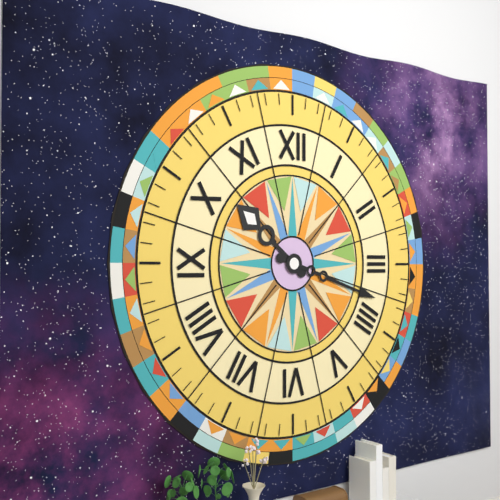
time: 10:18
